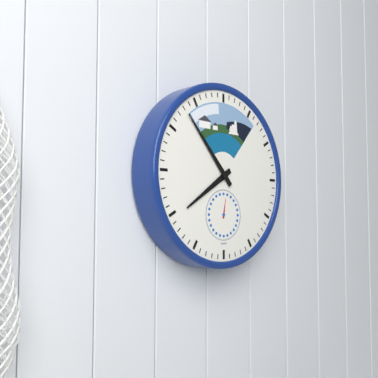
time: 7:53
